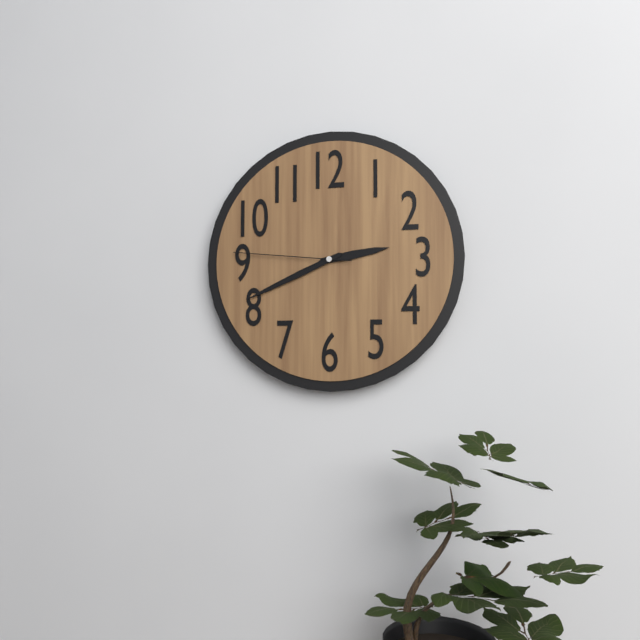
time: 2:41:46
